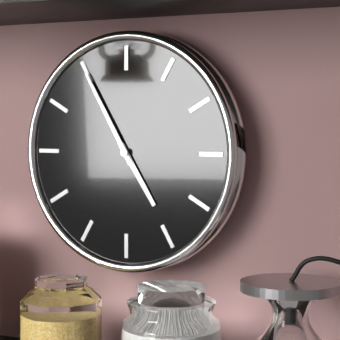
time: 4:55
